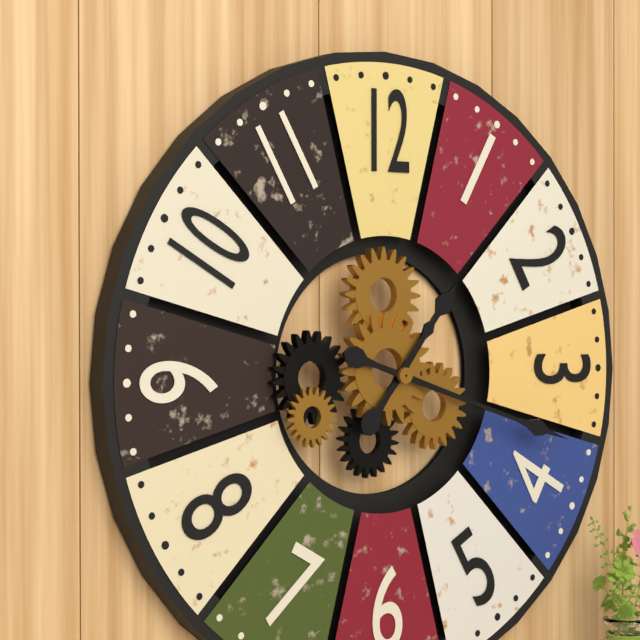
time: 1:18
